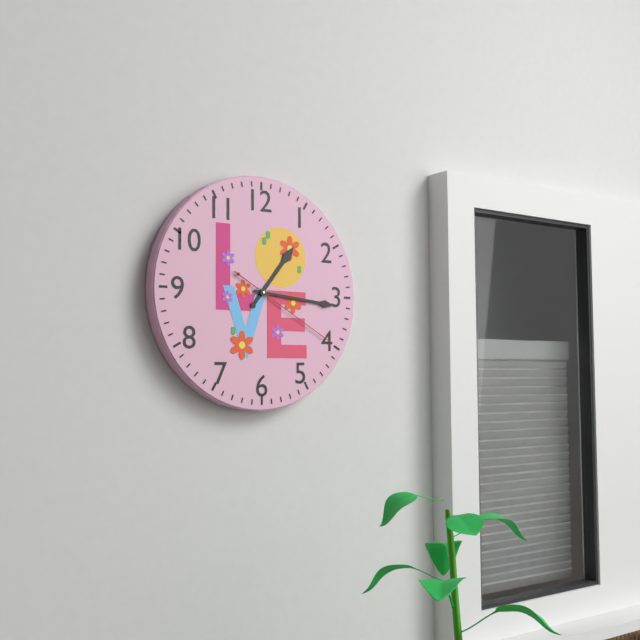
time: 1:16:20
